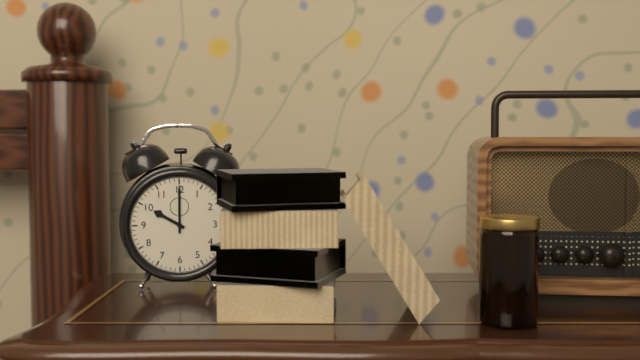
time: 10:00
